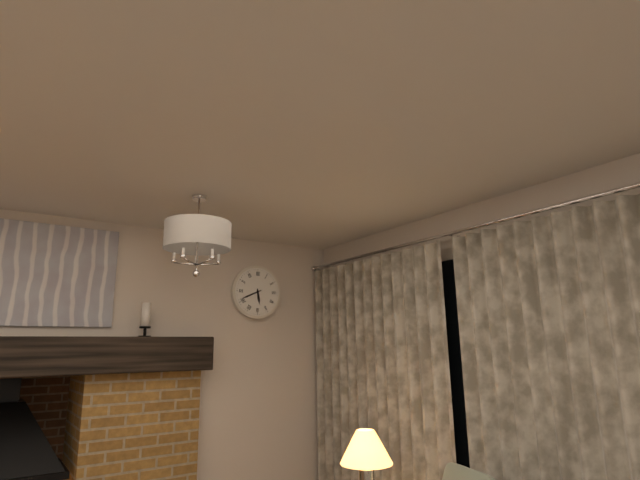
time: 5:41
